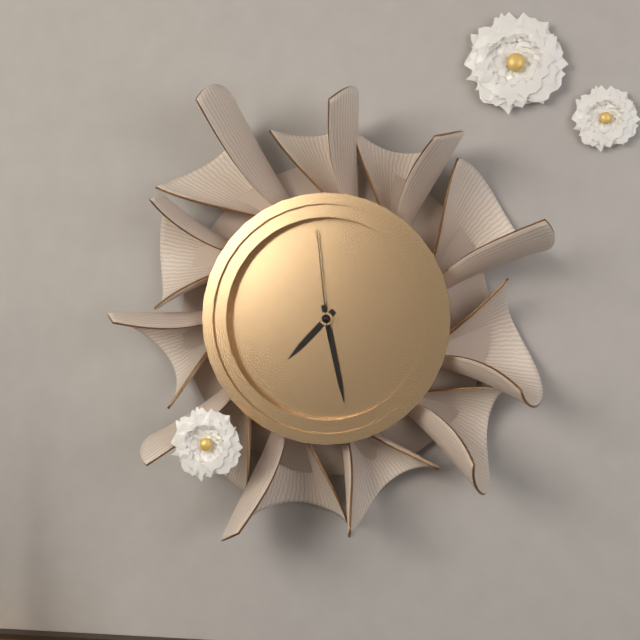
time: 7:28:59
